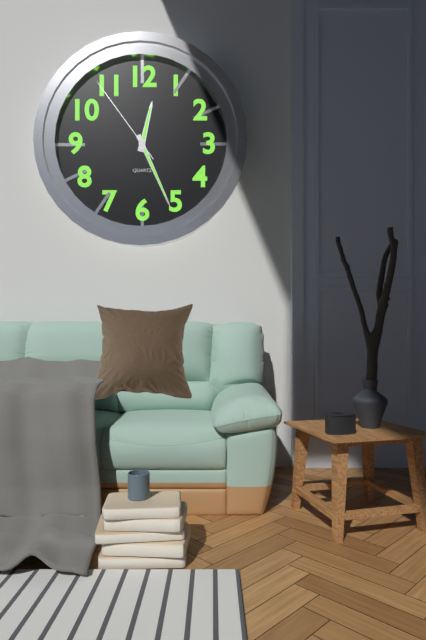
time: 12:26:54
